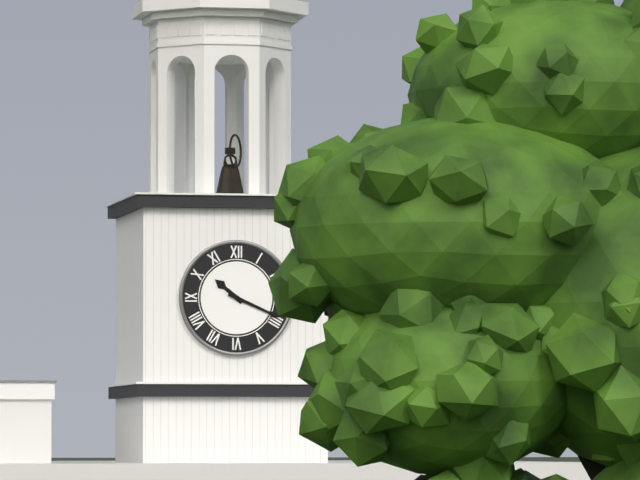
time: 10:19
